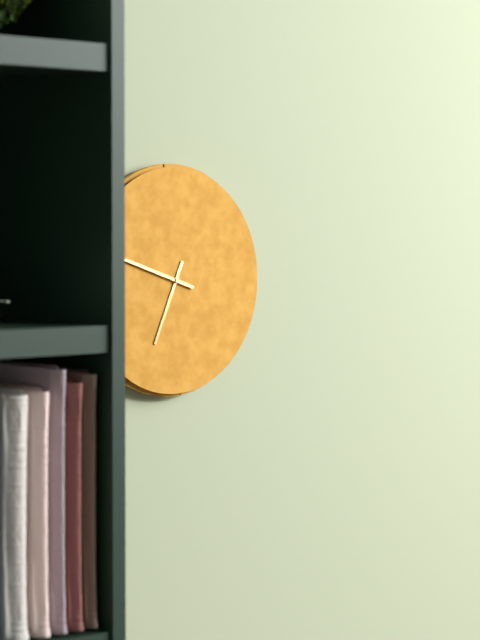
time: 6:48
